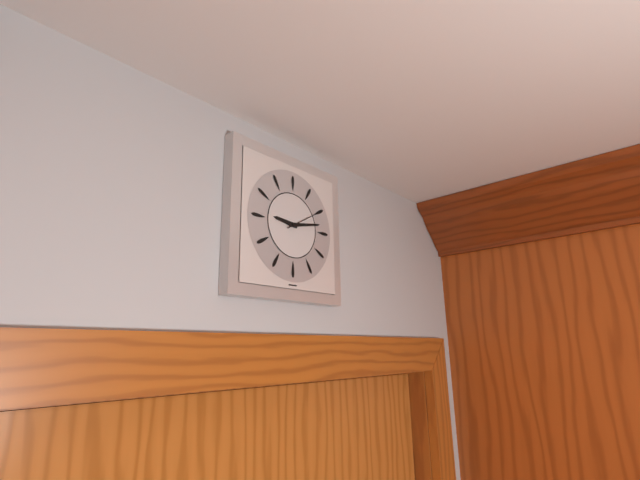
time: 9:13
